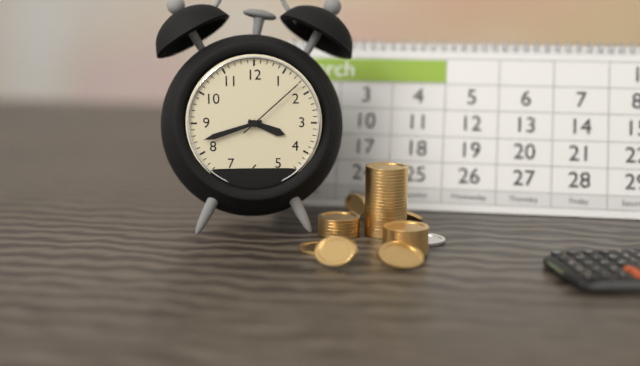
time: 3:42:08
